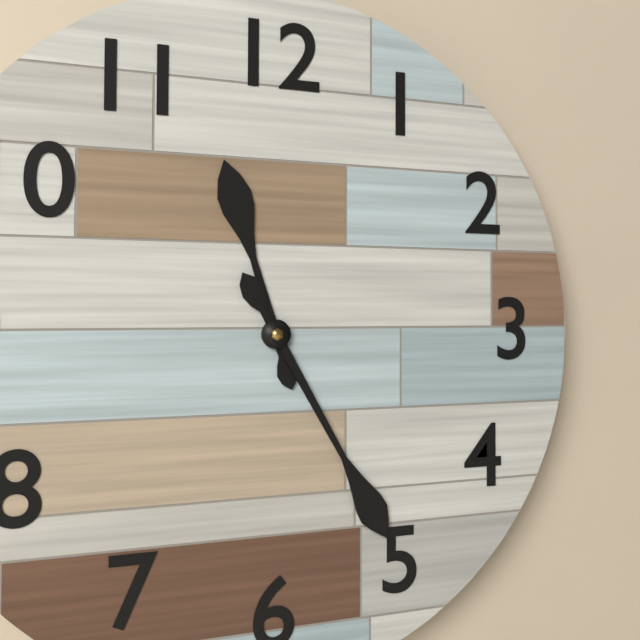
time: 11:25
